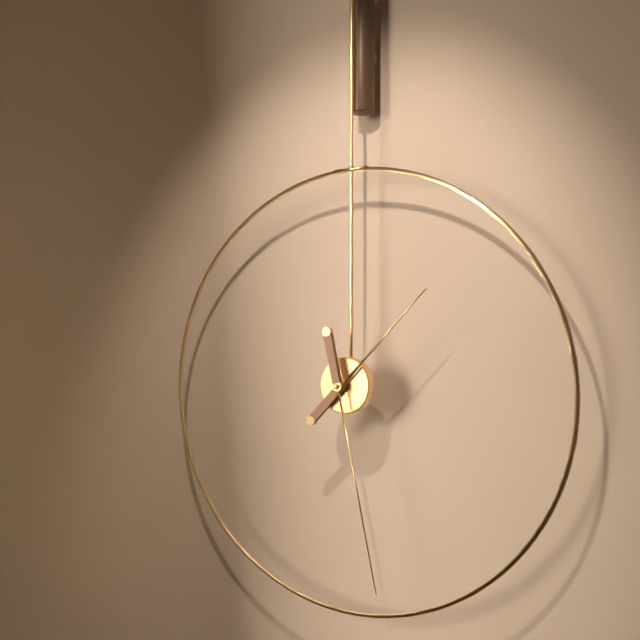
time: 1:28
